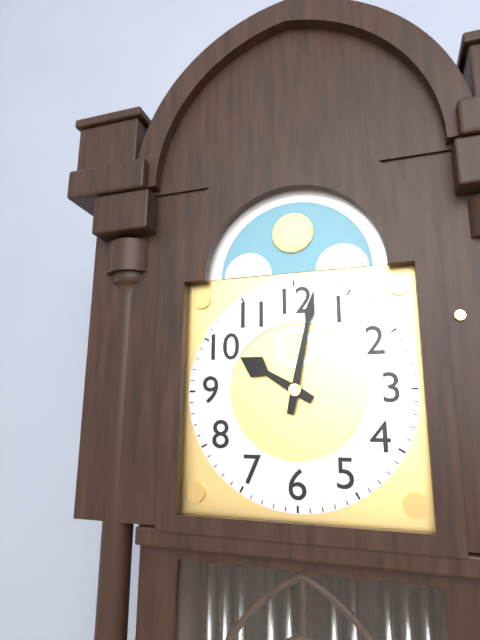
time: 10:02
